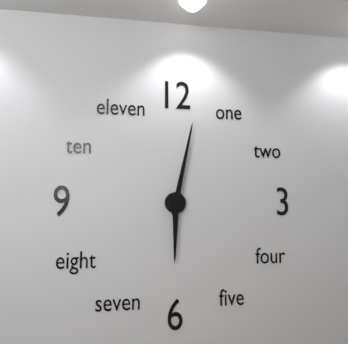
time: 6:02
